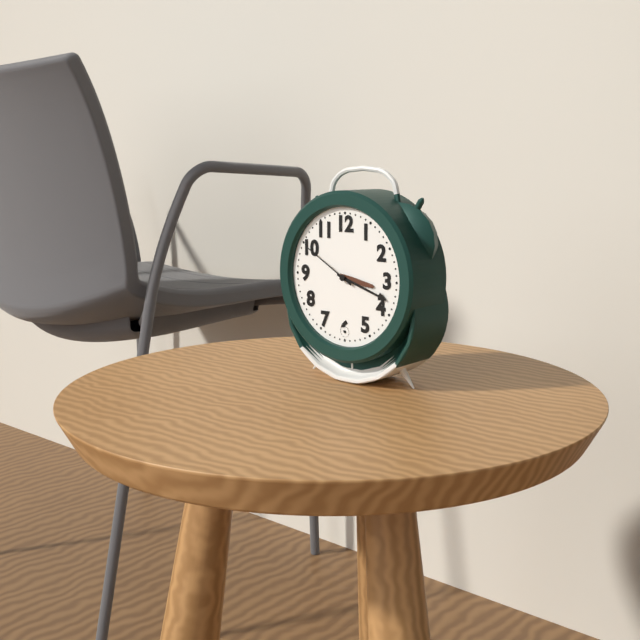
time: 3:18:50
